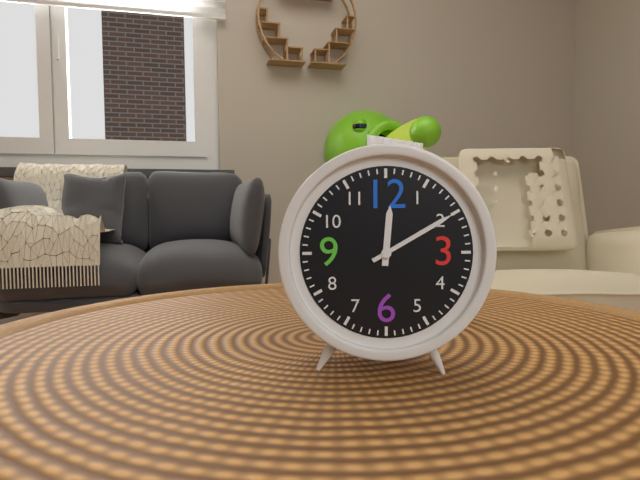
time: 12:10
